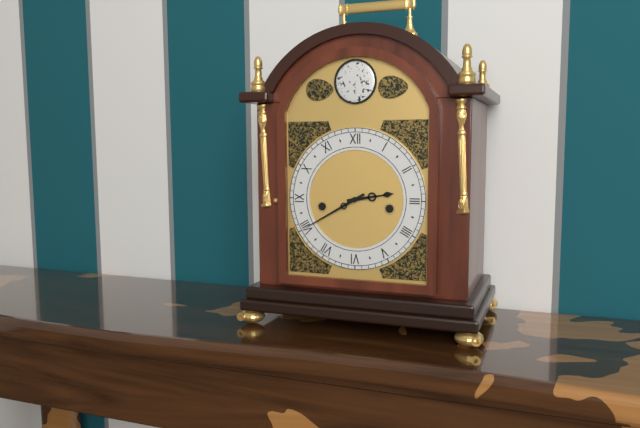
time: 2:40
